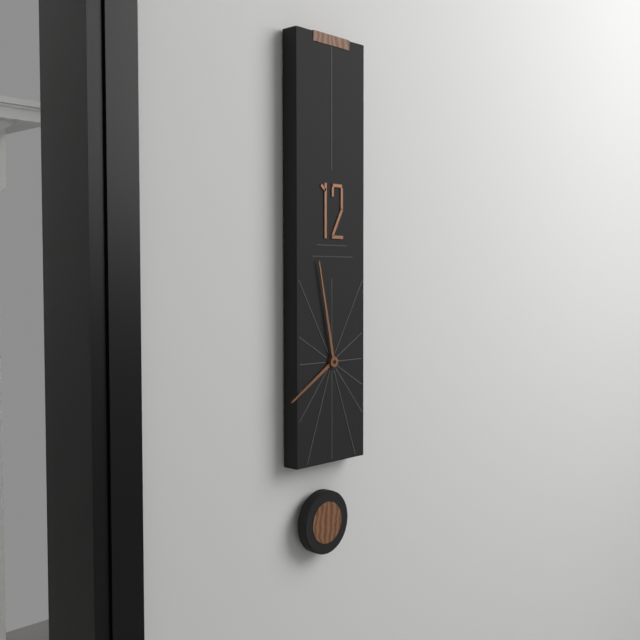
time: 7:58
